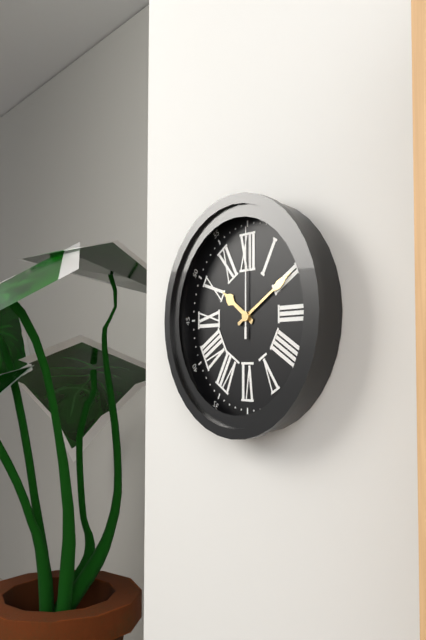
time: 10:10:00
